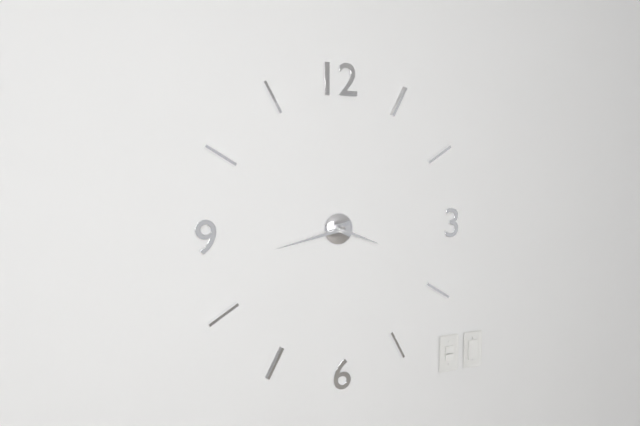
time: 3:43
